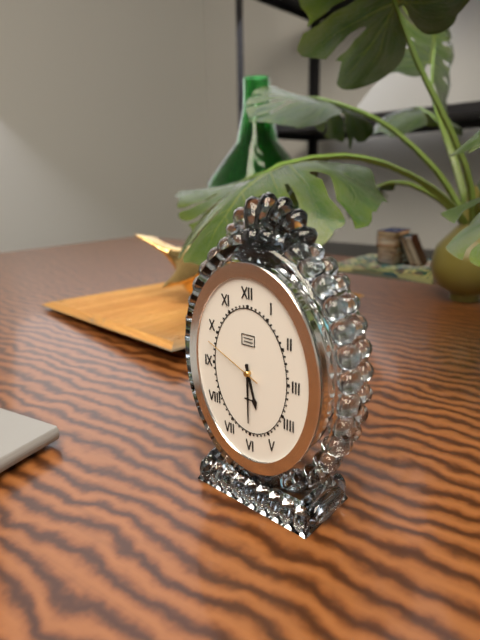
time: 5:30:49
